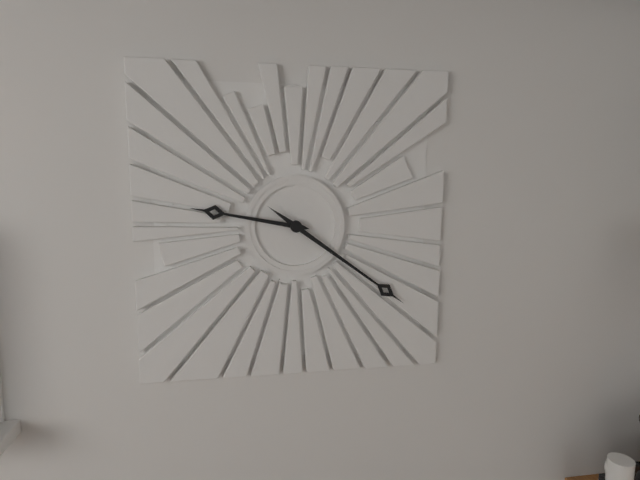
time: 9:21
